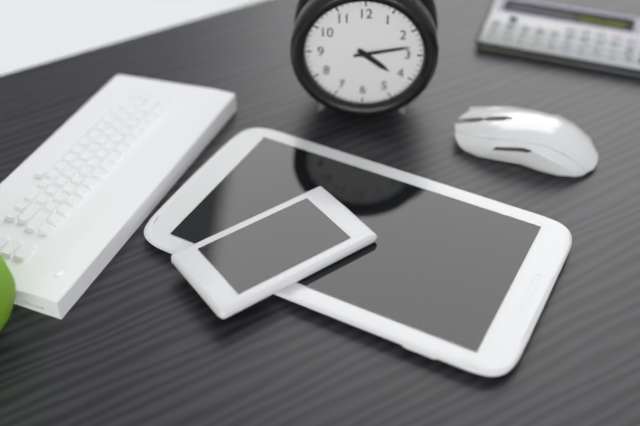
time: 4:13
